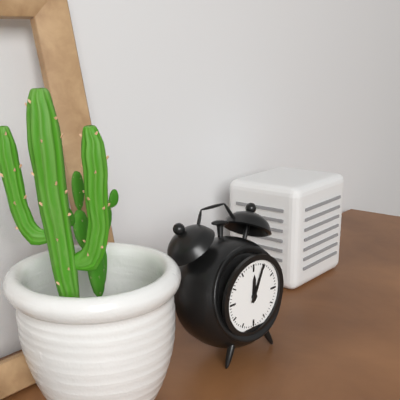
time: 12:04
